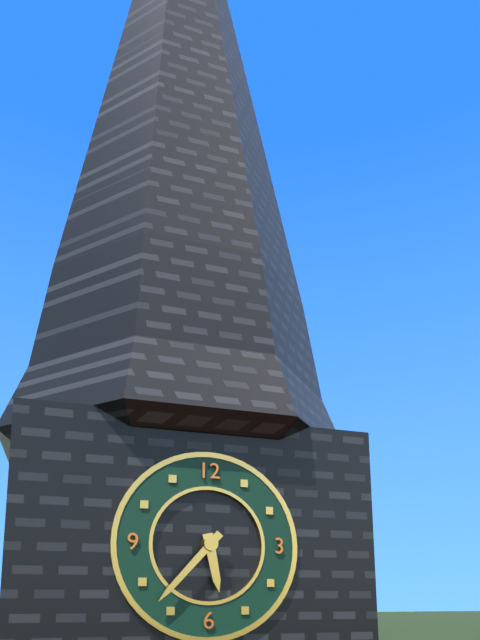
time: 5:37
